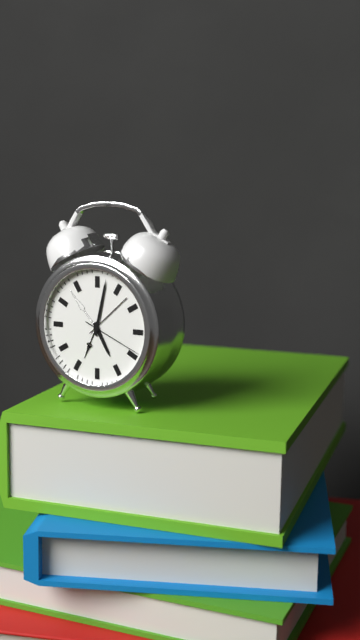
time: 5:02:19
